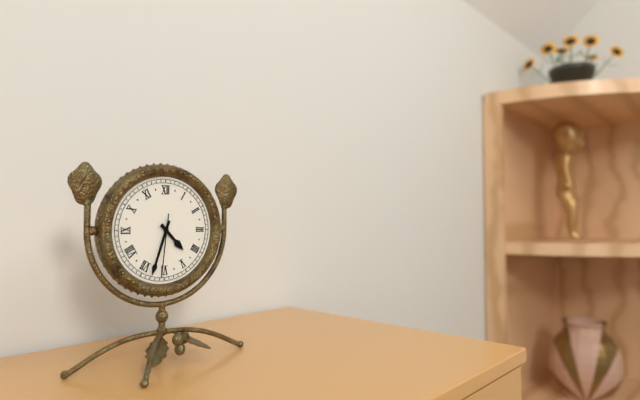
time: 4:33:31
